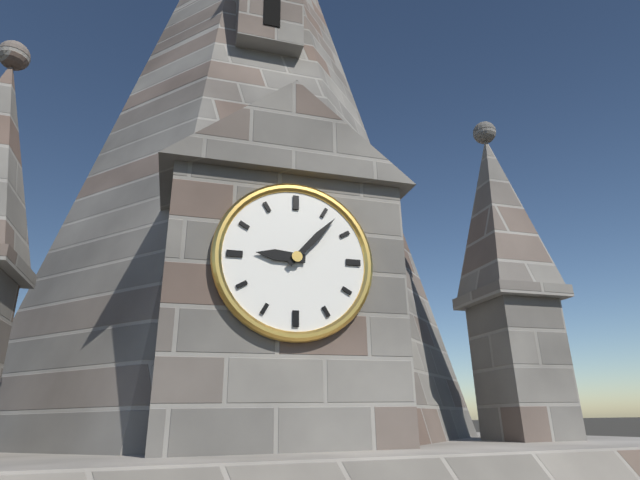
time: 9:07
